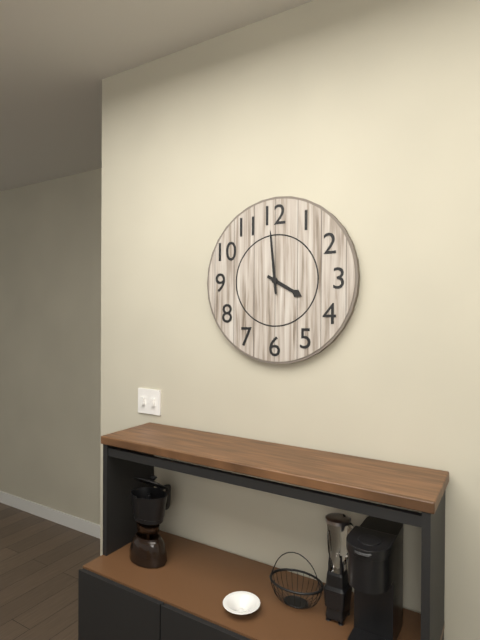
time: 3:59
